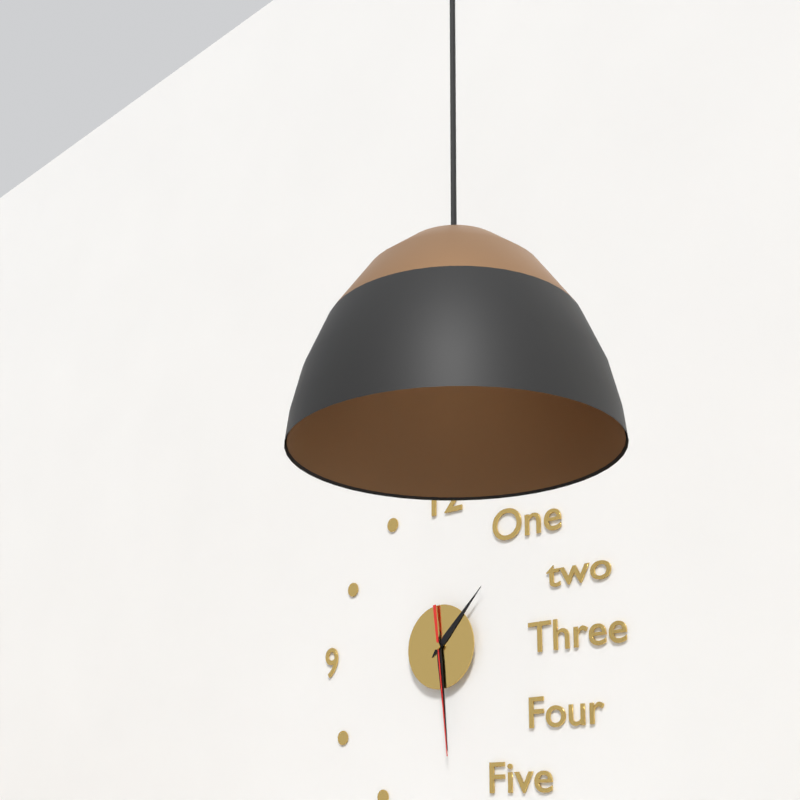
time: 1:29:29
